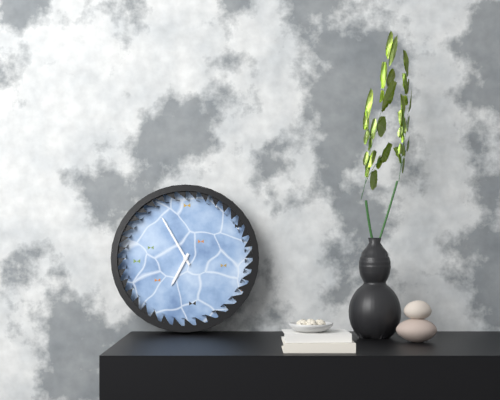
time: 6:55
